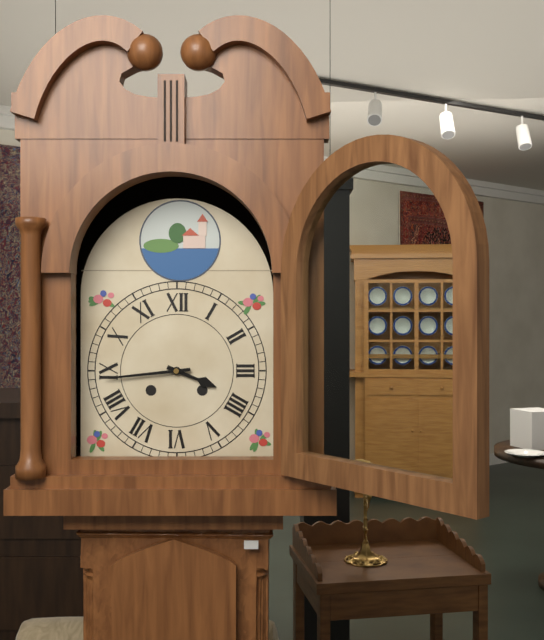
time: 3:44
